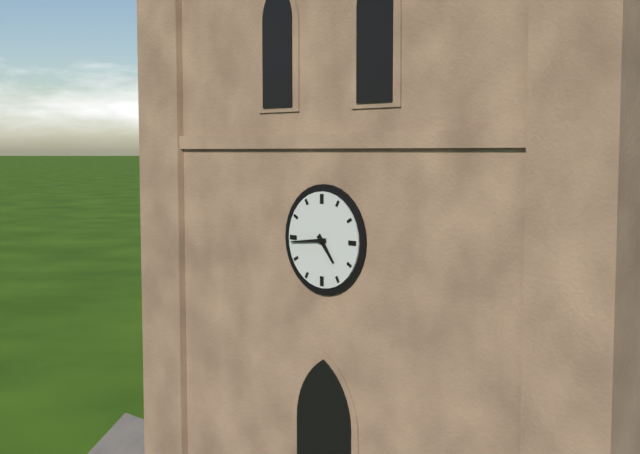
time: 4:44
